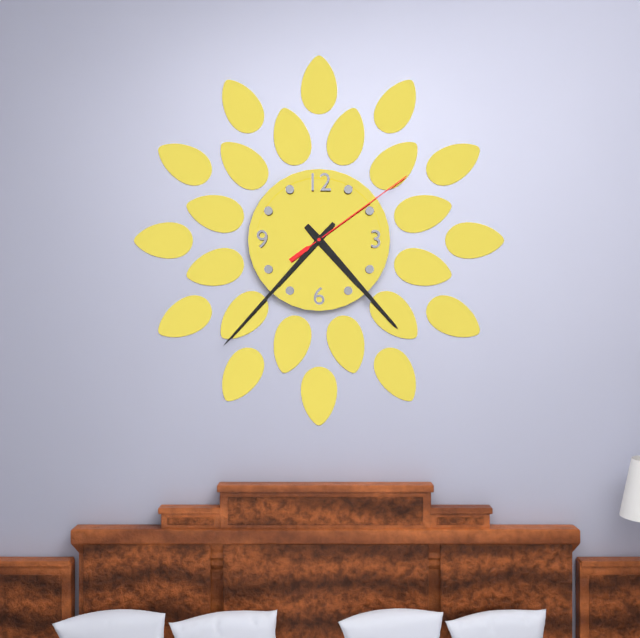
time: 4:37:09
